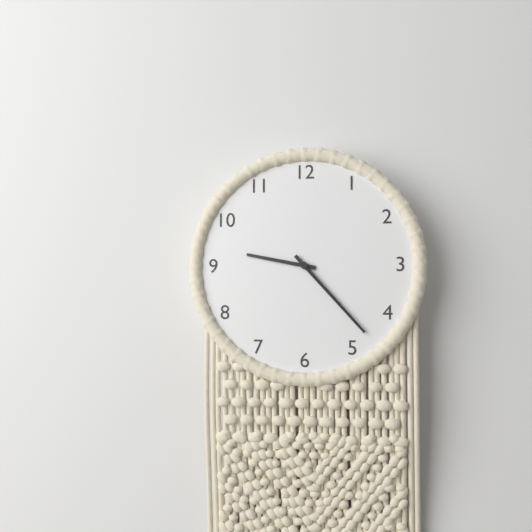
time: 9:23
